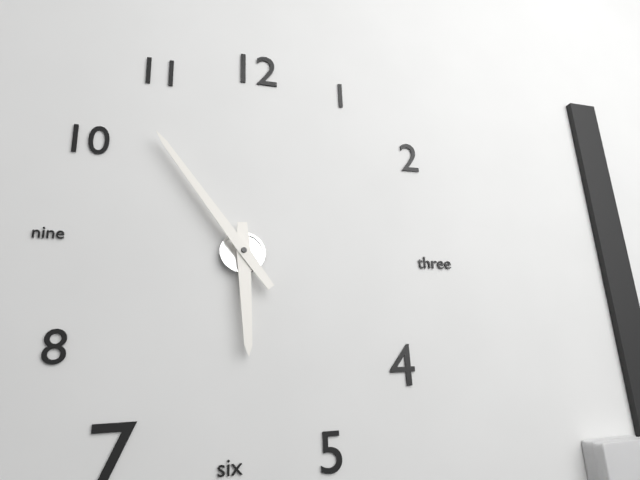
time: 5:54
